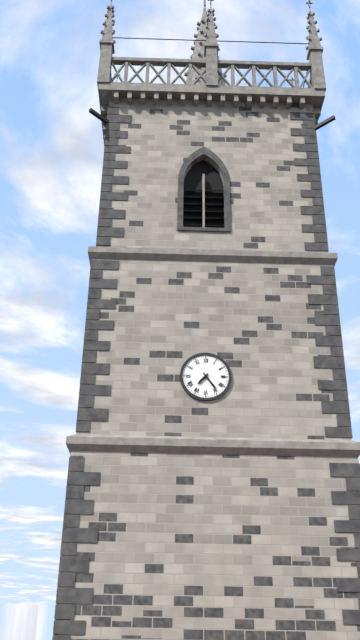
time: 7:24
